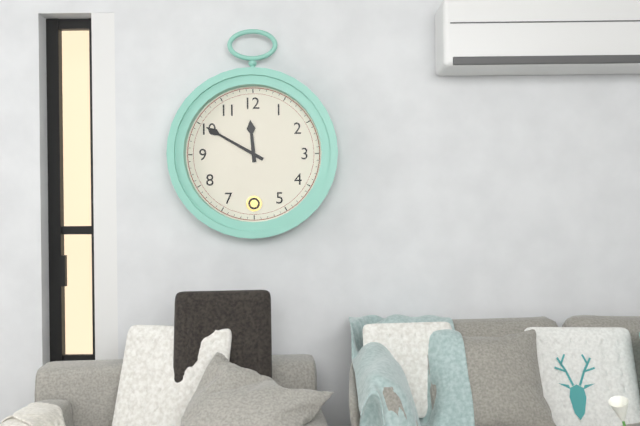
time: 11:50
